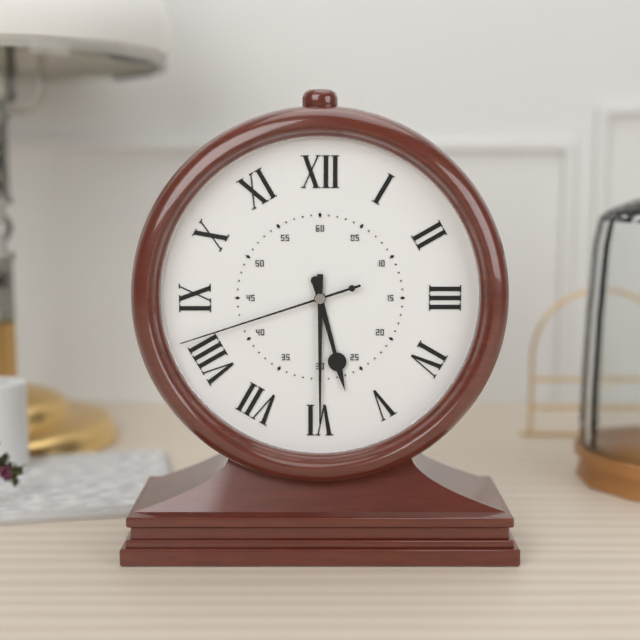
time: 5:30:42
